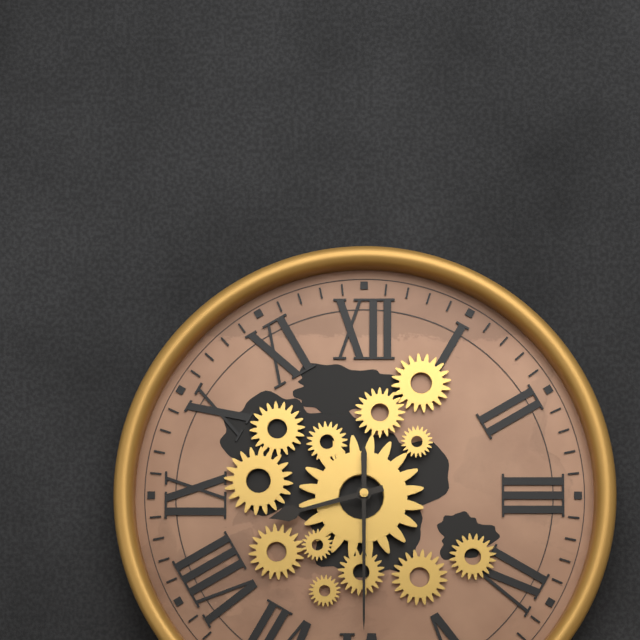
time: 8:30
